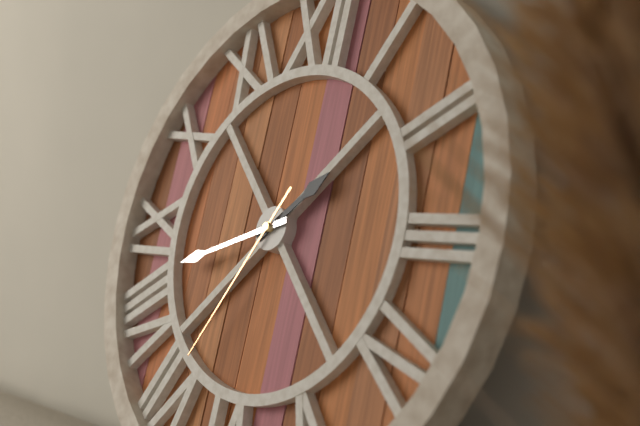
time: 1:42:35
